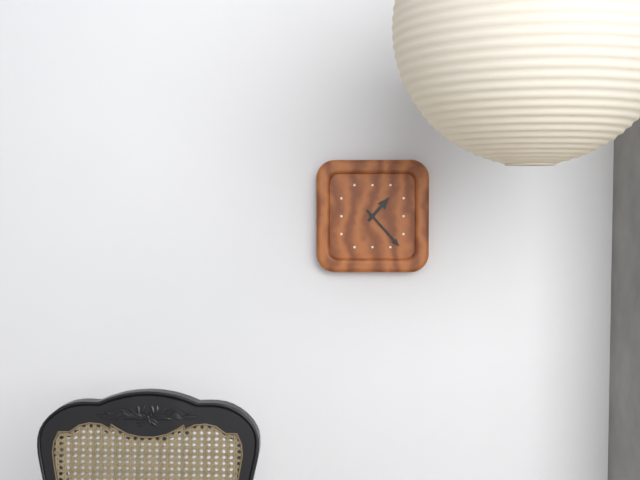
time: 1:23
